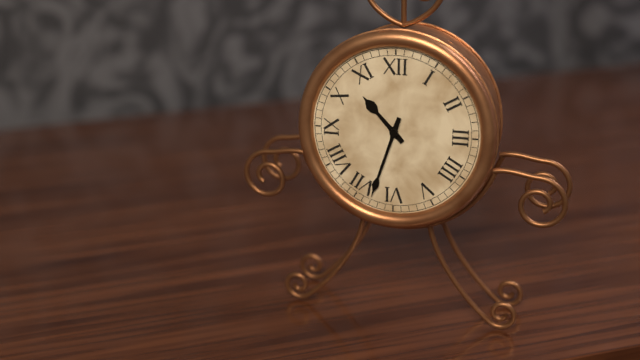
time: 10:33
